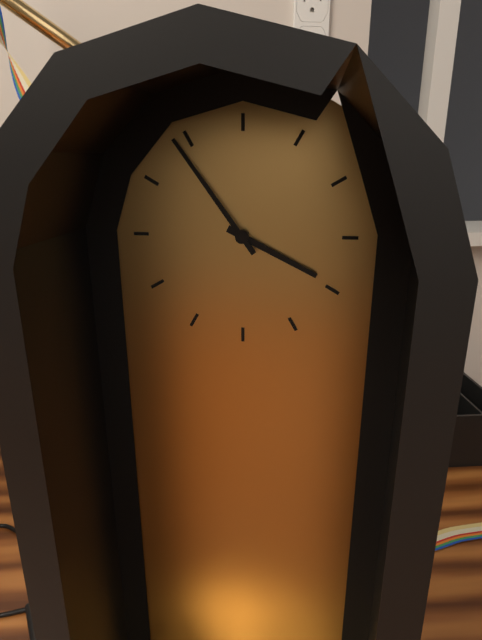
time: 3:54
